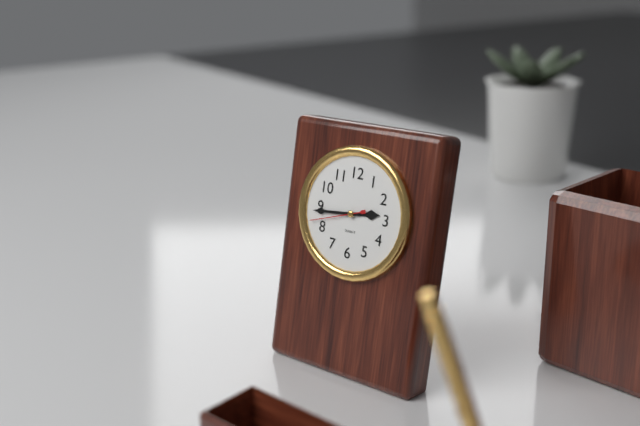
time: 2:44:42
